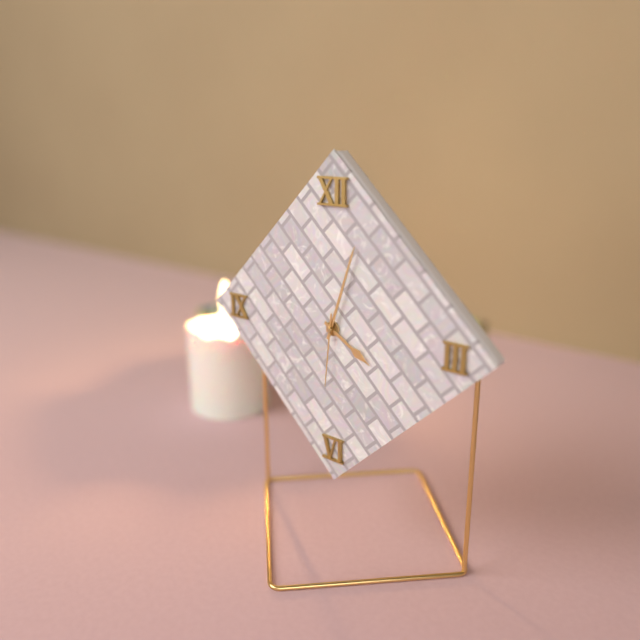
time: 4:03:31
